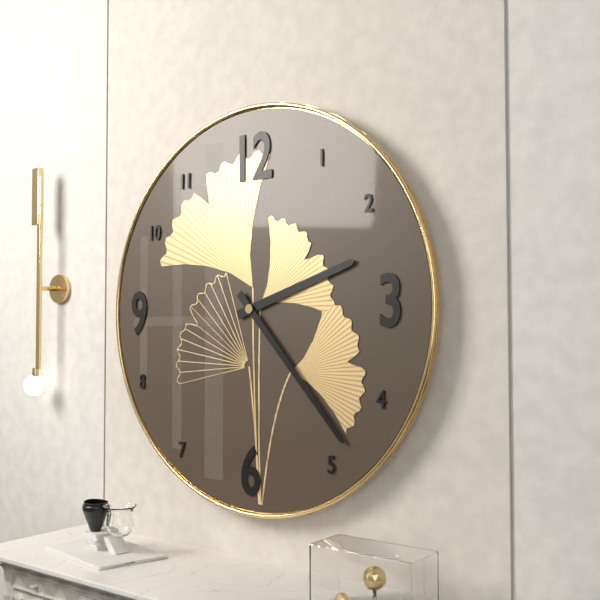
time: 2:23
